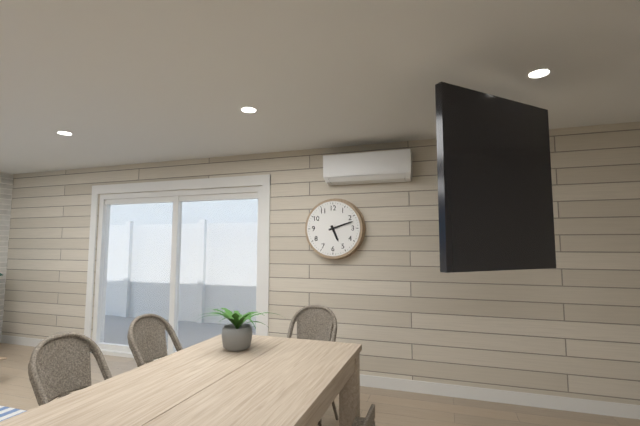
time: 5:12
